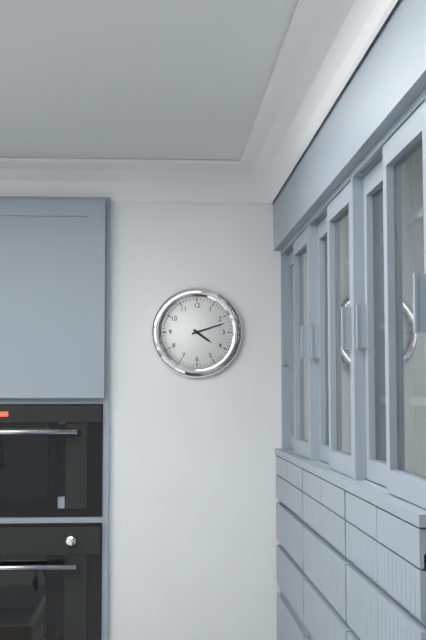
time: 4:12
